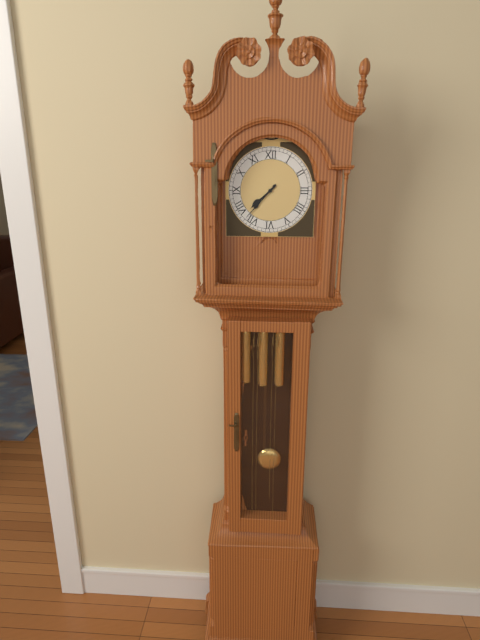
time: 7:37
